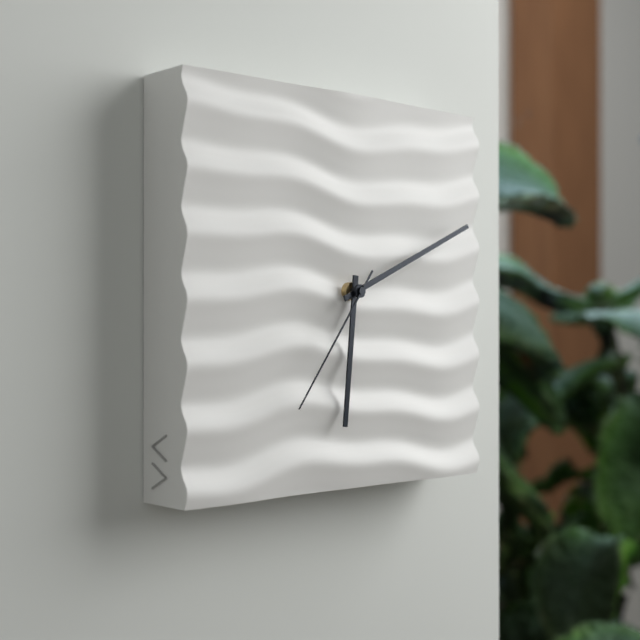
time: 6:11:36
